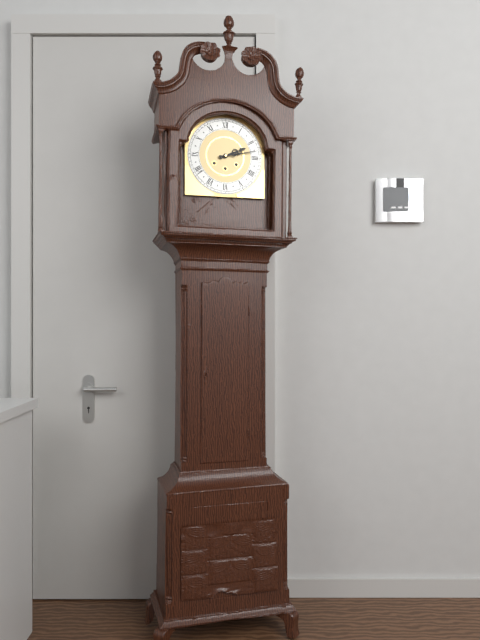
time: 2:13
